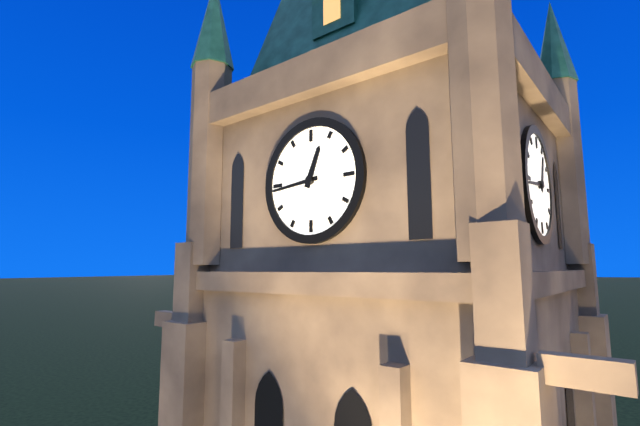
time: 12:44
